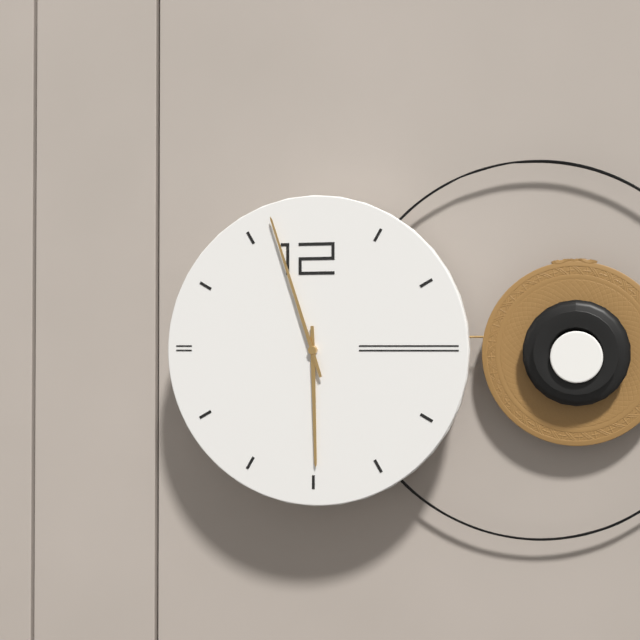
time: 5:57
